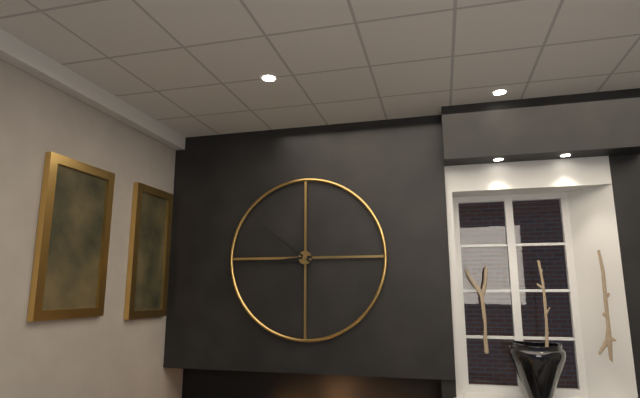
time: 8:51
